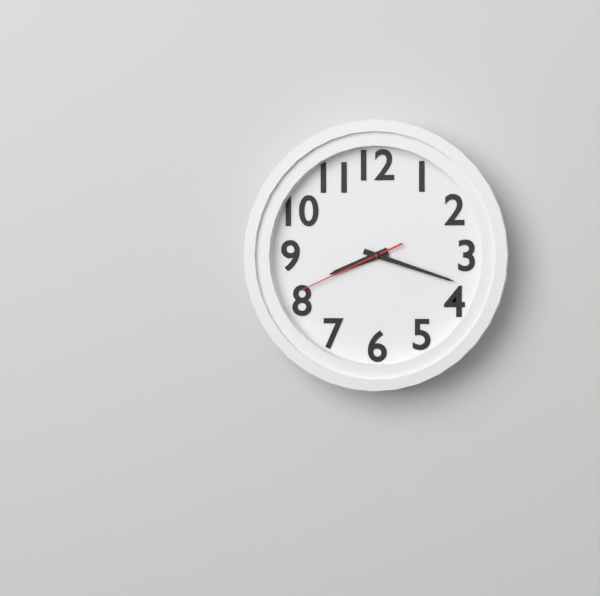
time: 8:18:41
